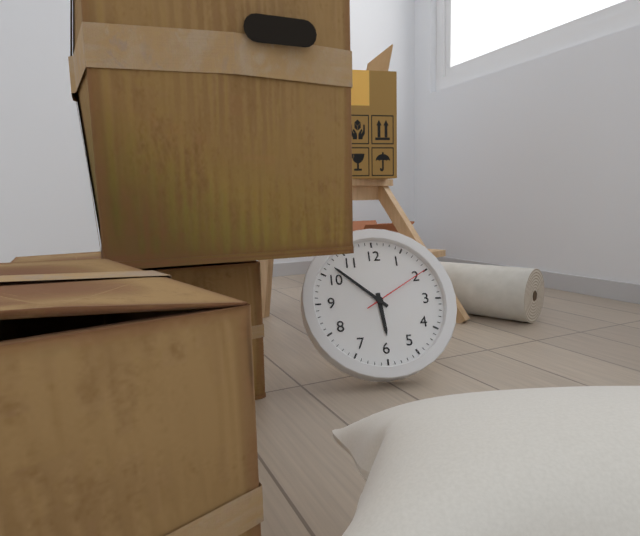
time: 5:52:10
